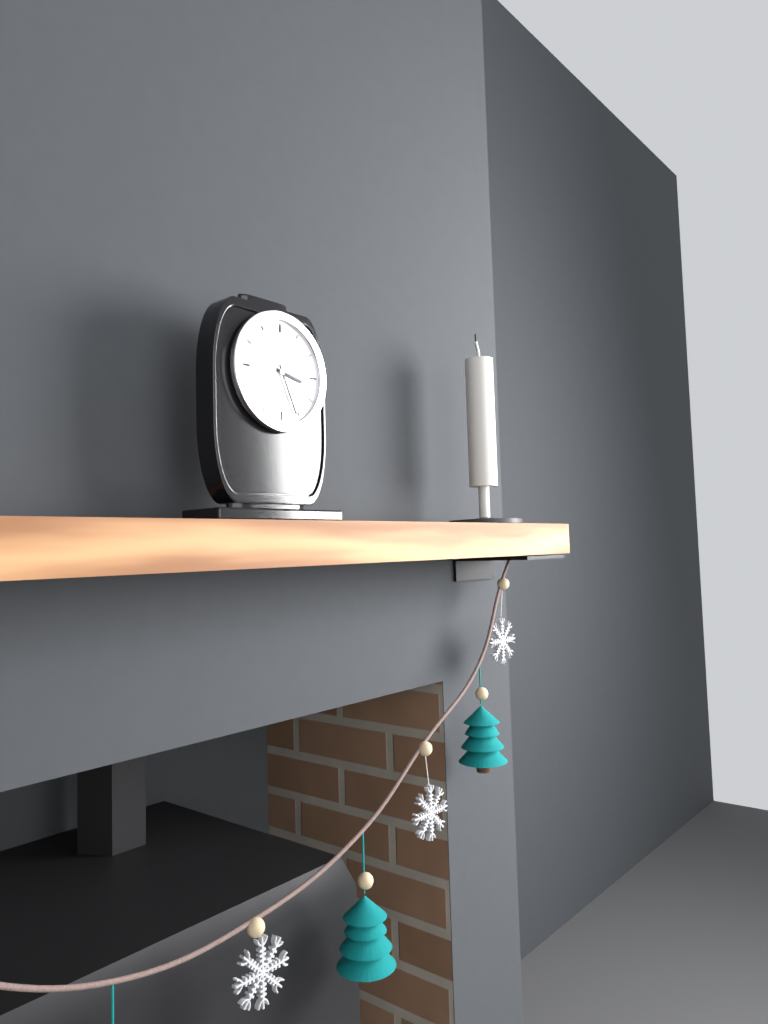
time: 3:26
